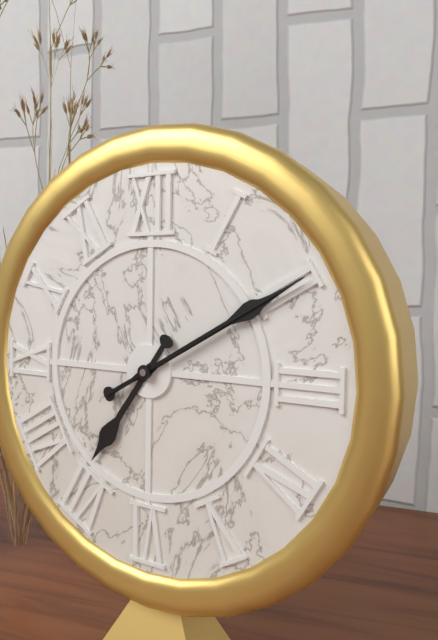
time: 7:10:10
